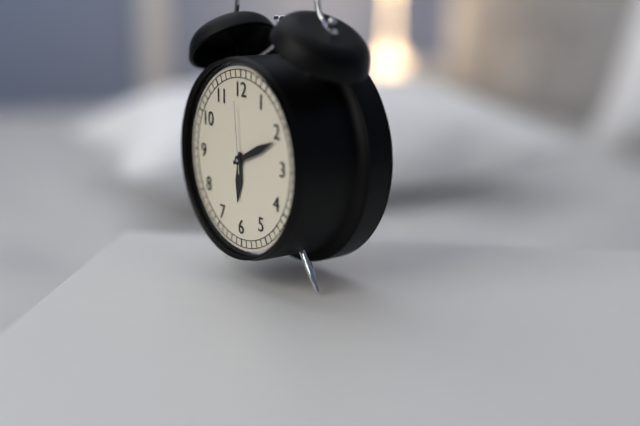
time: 6:11:59
